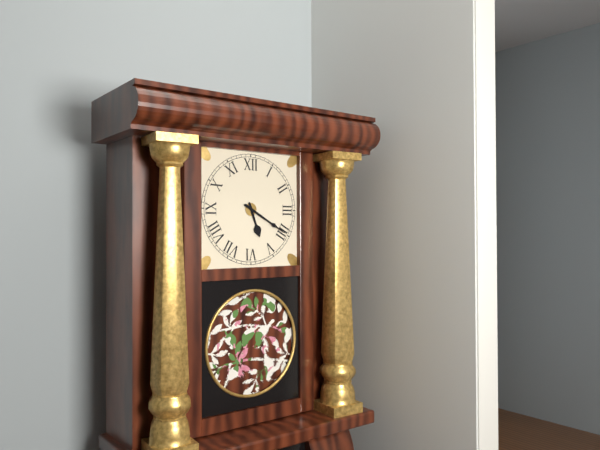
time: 5:20
